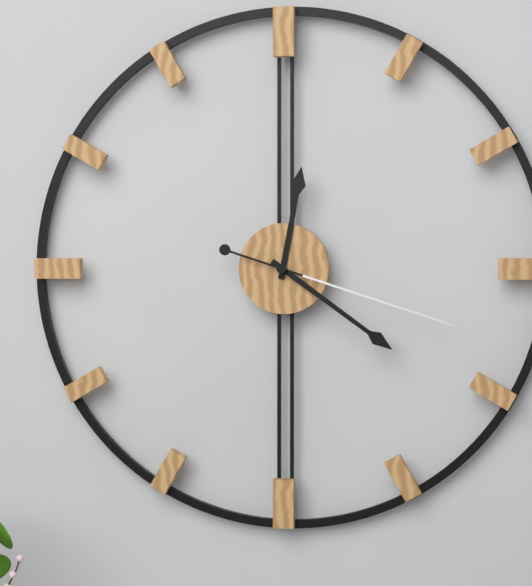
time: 12:21:18
